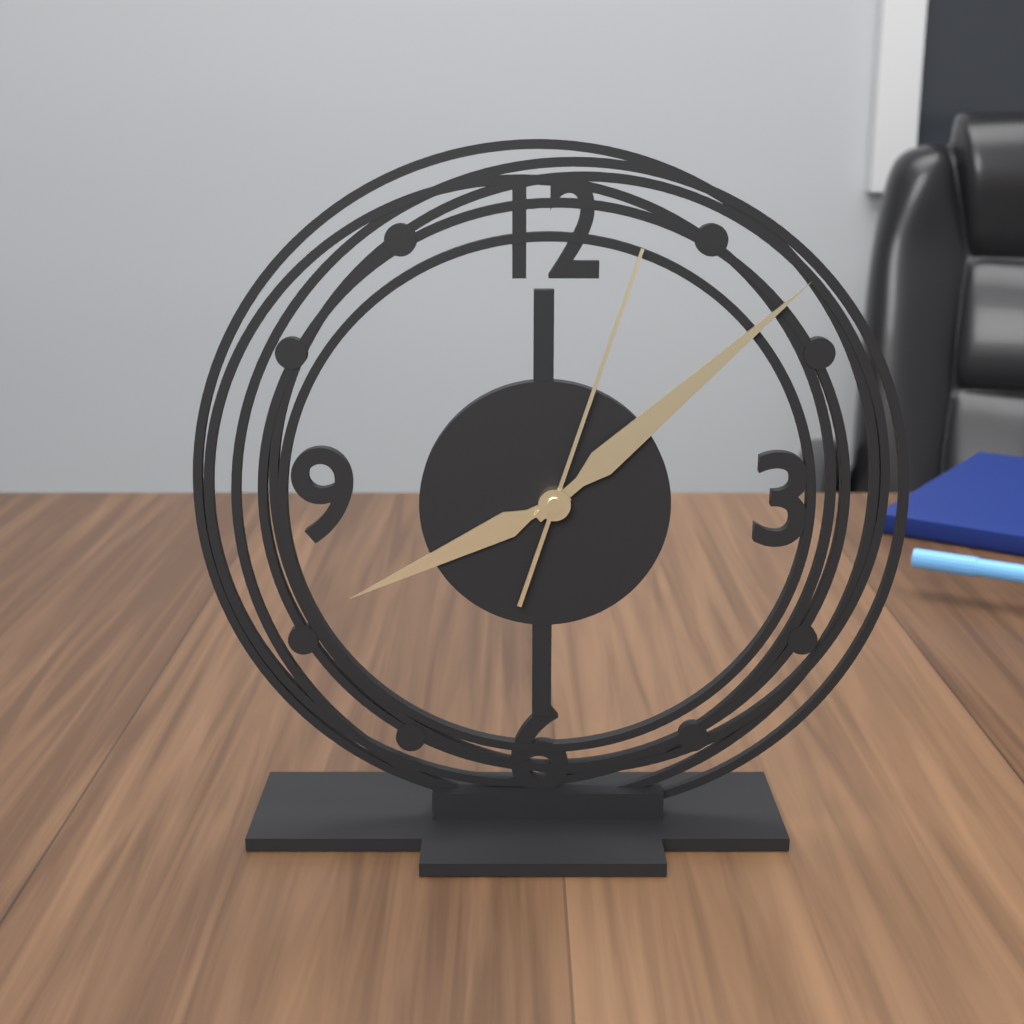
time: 8:08:03
